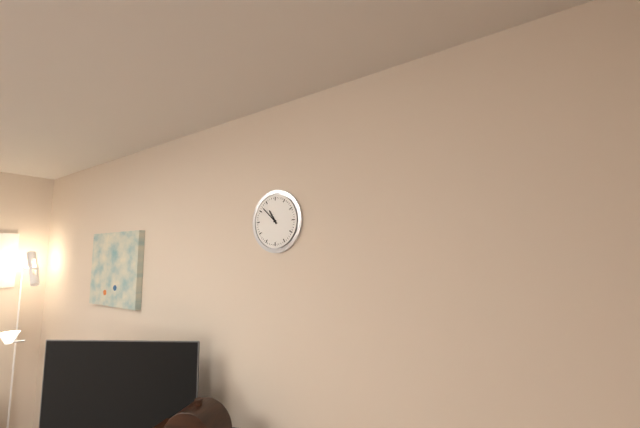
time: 10:52
